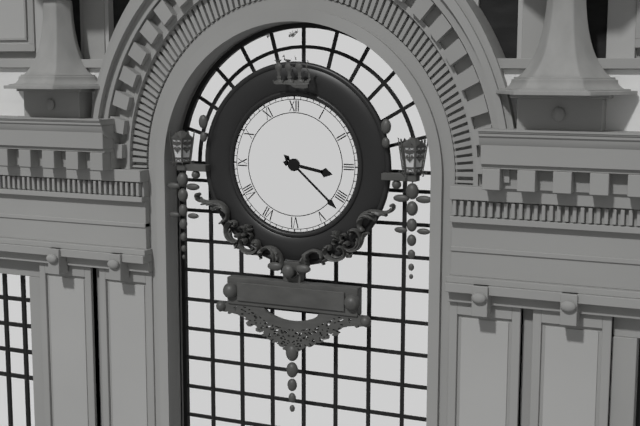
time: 3:22
